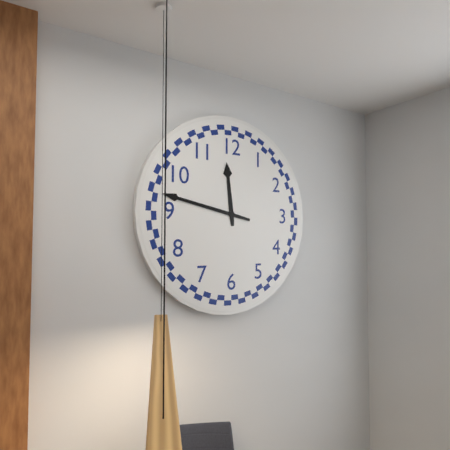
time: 11:47
